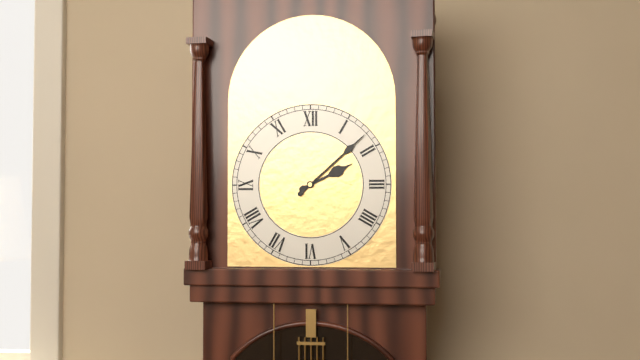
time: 2:08
